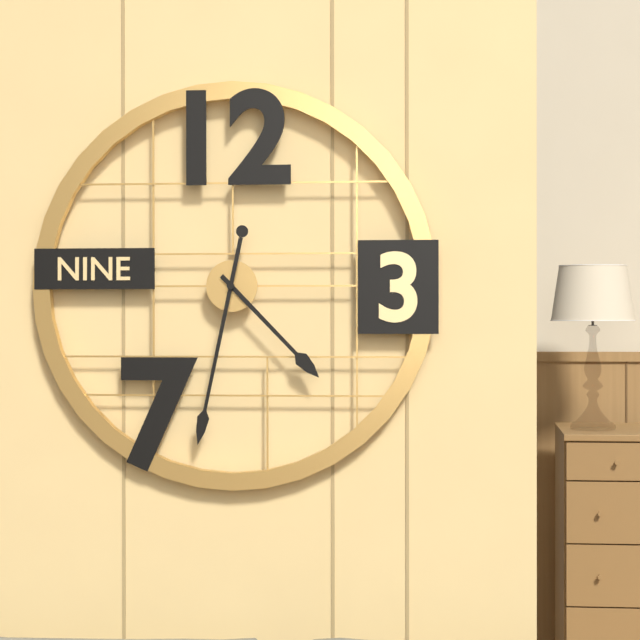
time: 4:32
